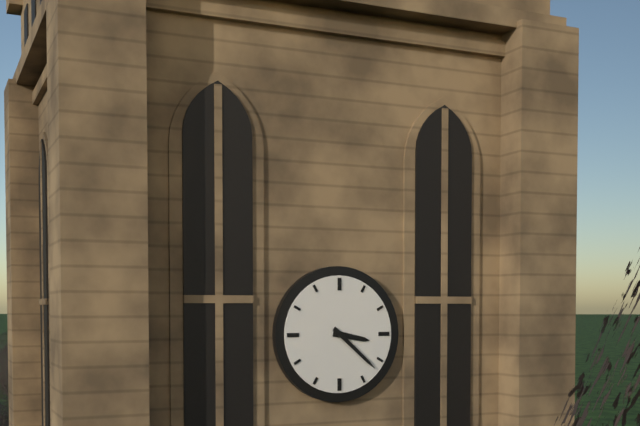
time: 3:22
